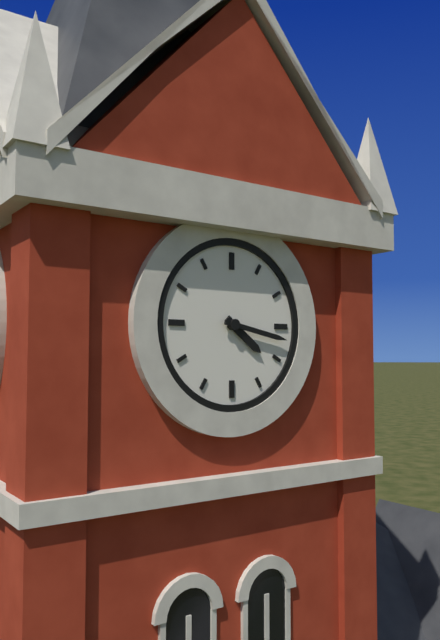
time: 4:17
